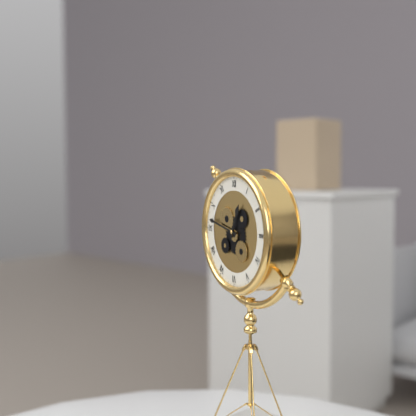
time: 12:47
